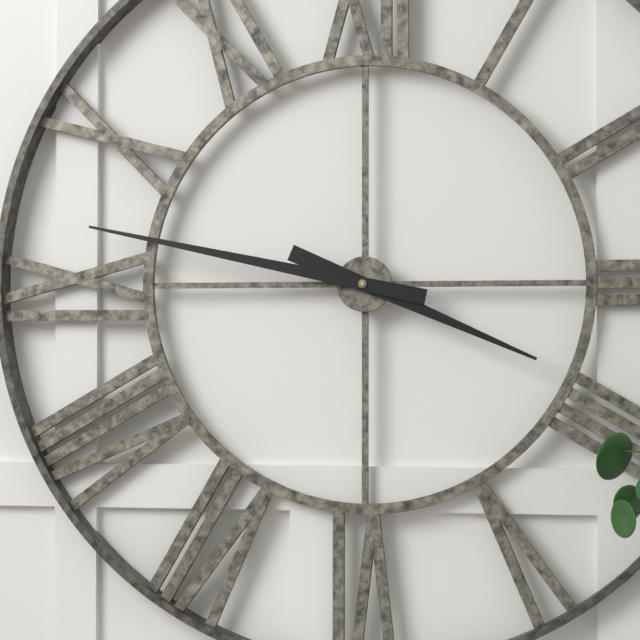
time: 3:47
